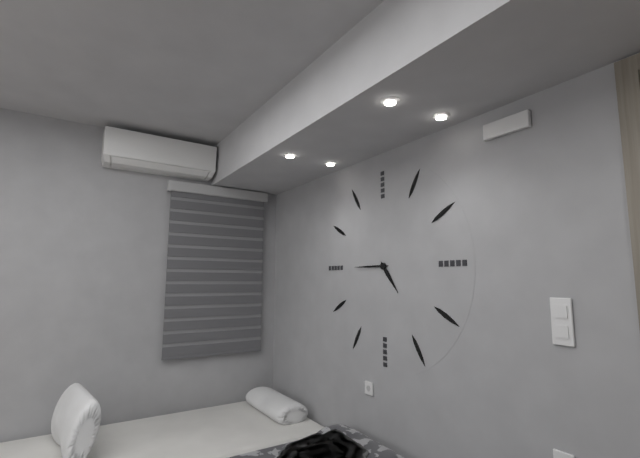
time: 4:45
